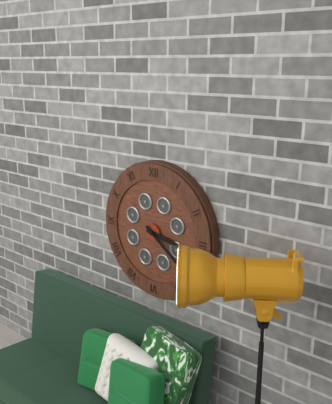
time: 3:21
